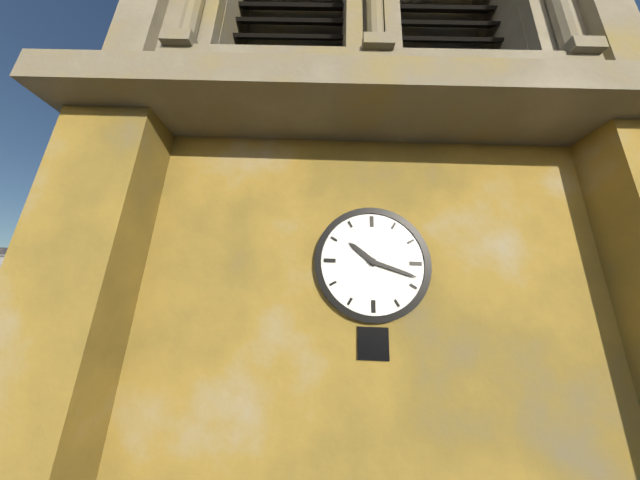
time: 10:18
